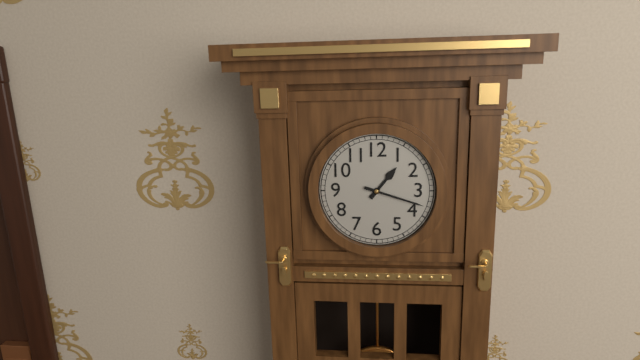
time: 1:18
